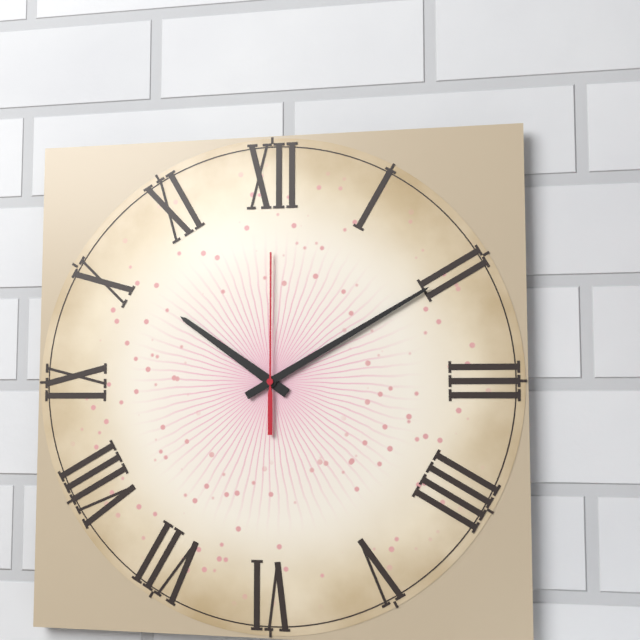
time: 10:10:00
